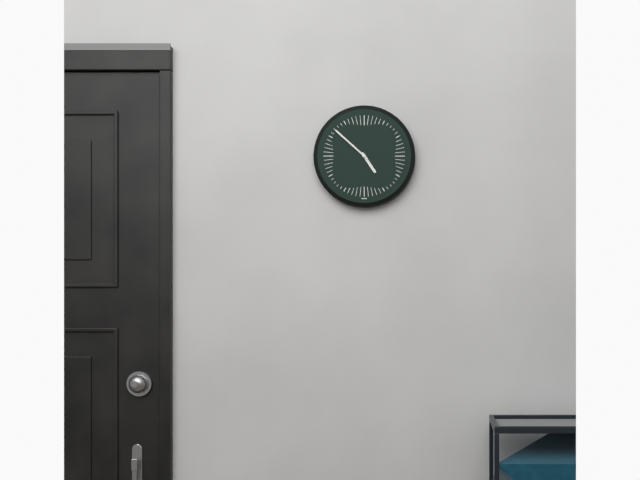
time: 4:52
